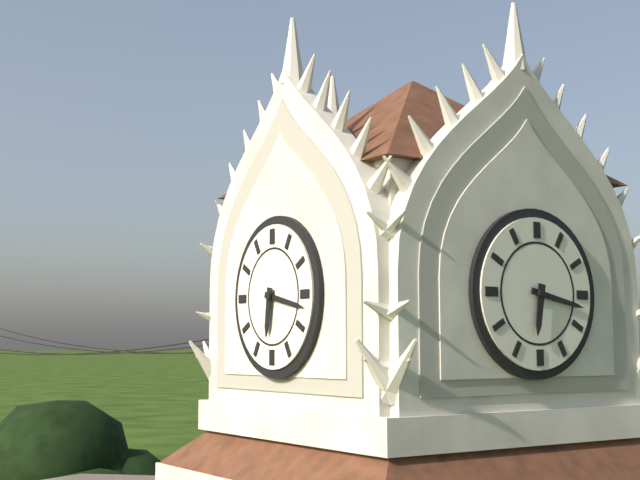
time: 6:17
